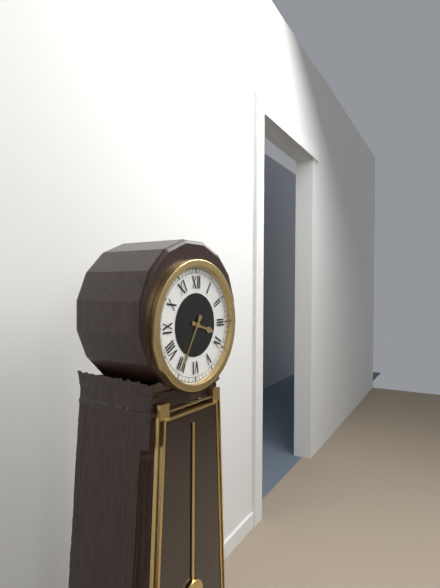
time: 3:35
